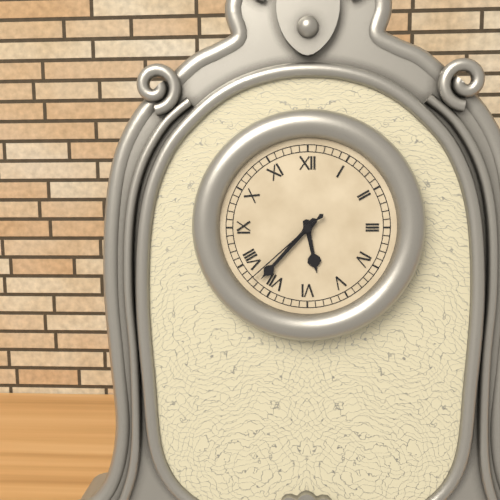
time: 5:37:38
